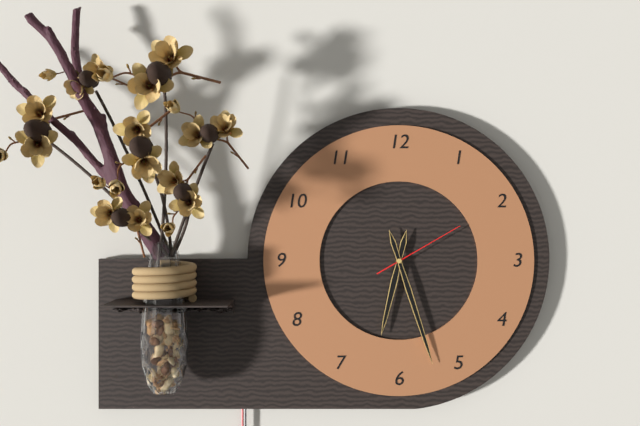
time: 6:27:10
